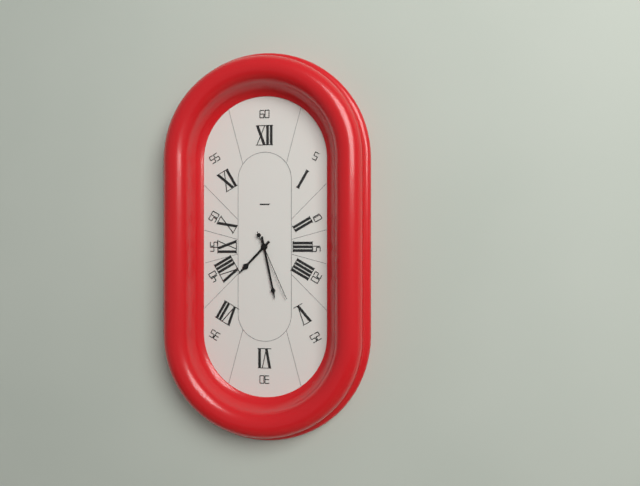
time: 7:28:26
